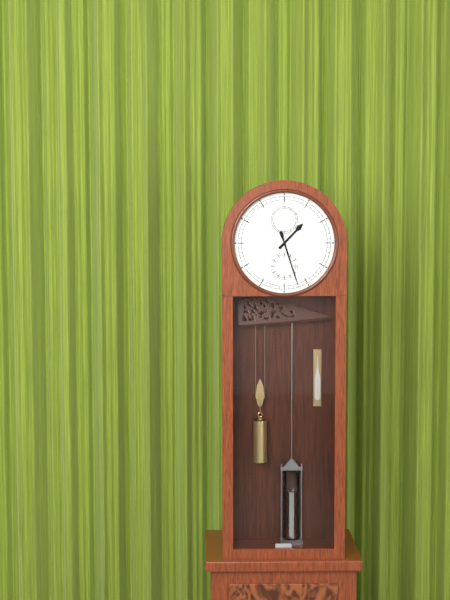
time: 1:27
